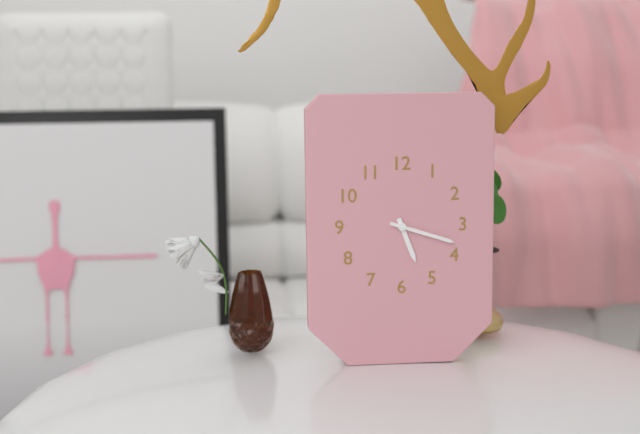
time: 5:18
